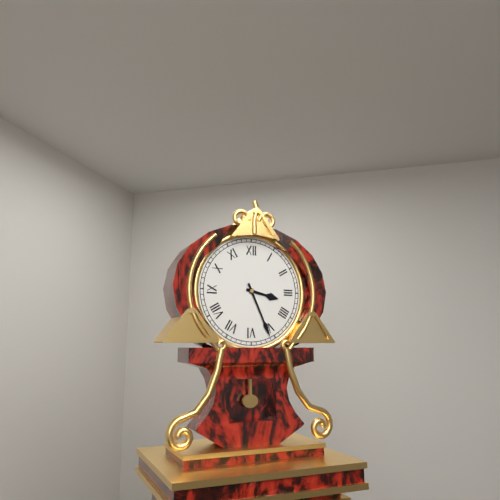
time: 3:26
